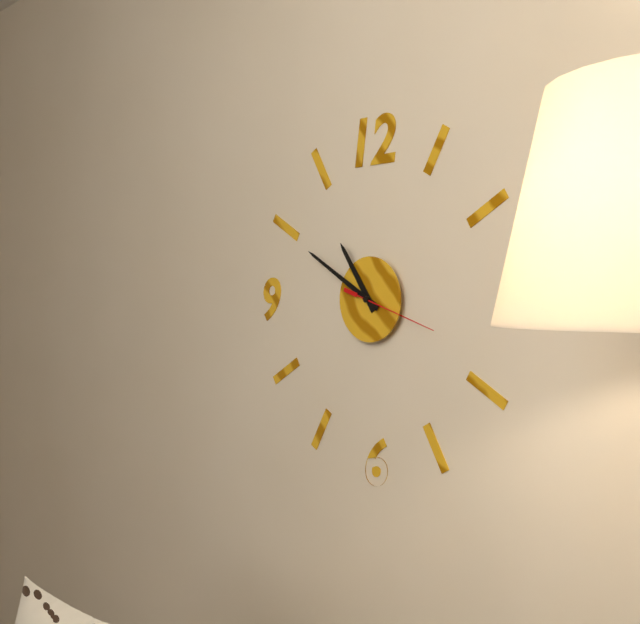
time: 10:50:18
